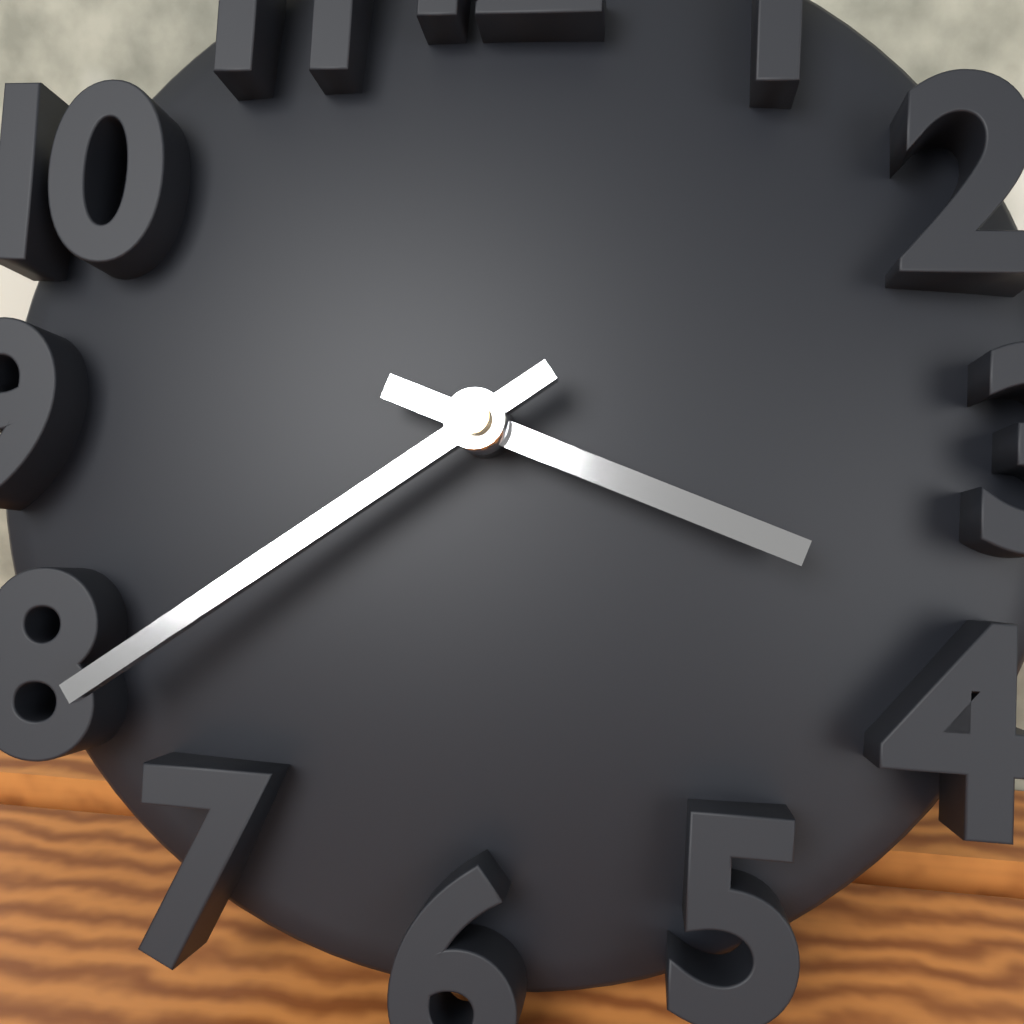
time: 3:39
